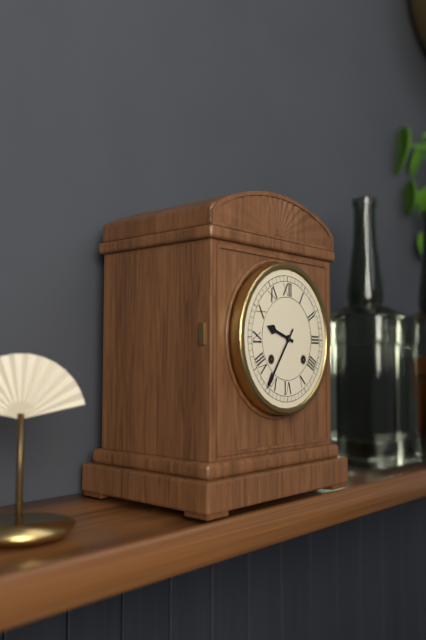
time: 9:36
